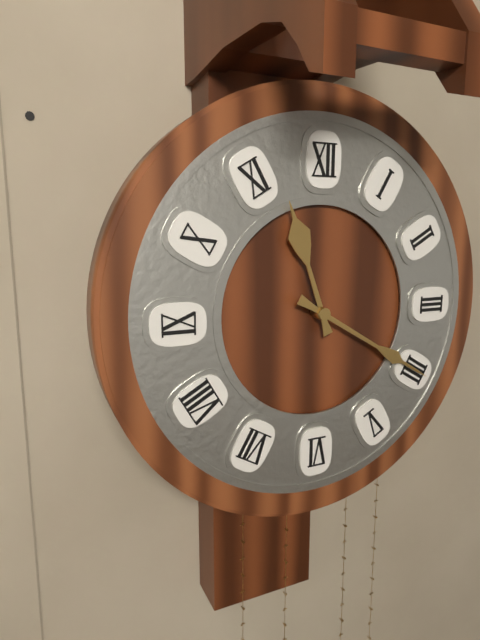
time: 11:20
